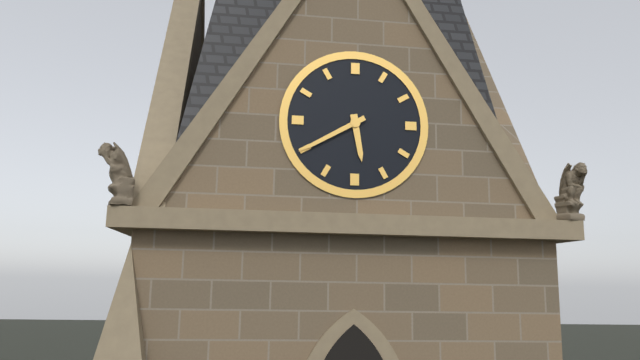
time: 5:40
